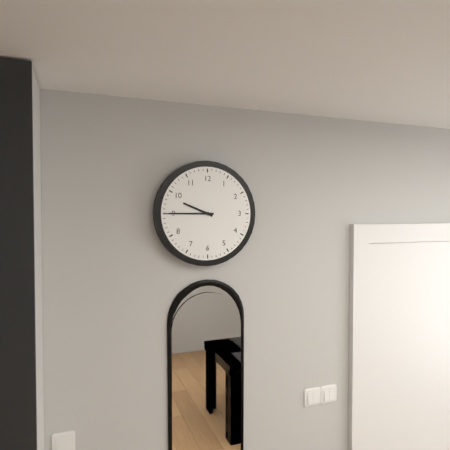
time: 9:45
